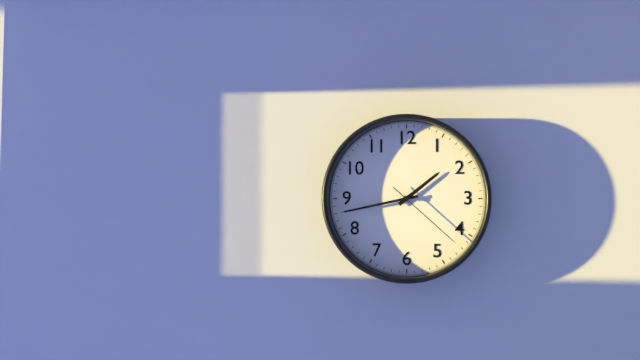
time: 1:43:22
